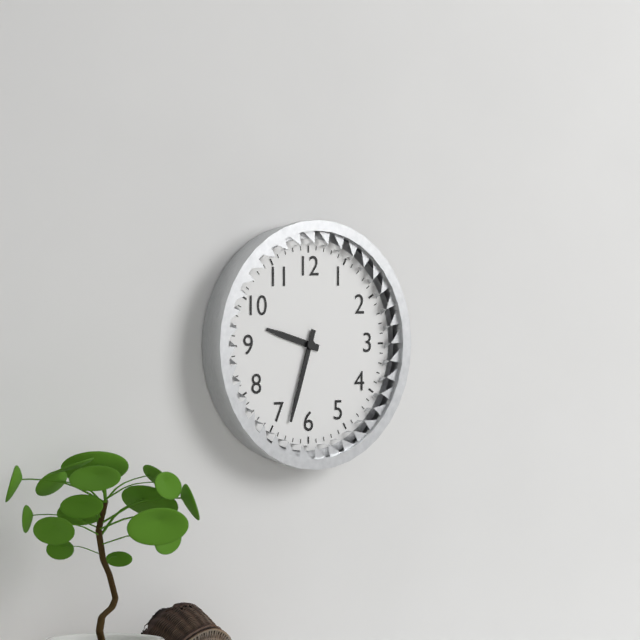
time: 9:33
